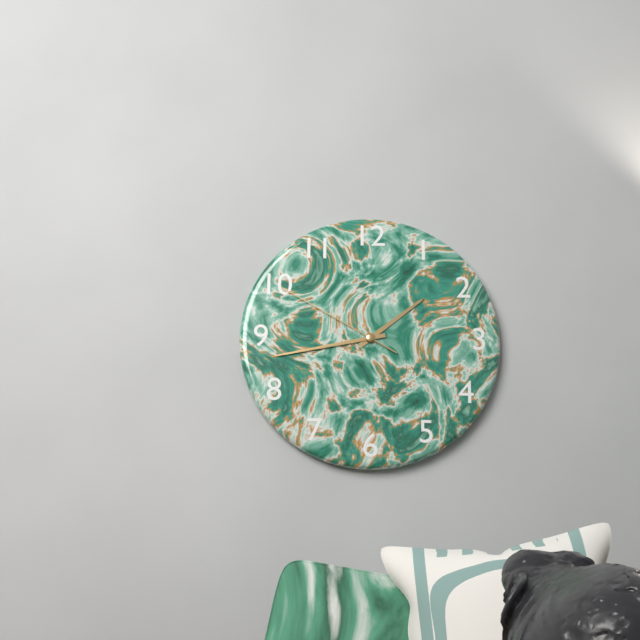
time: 1:43:50
